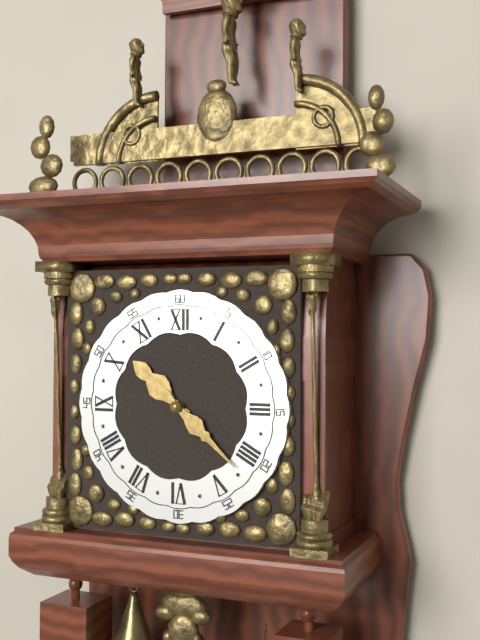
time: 10:22
